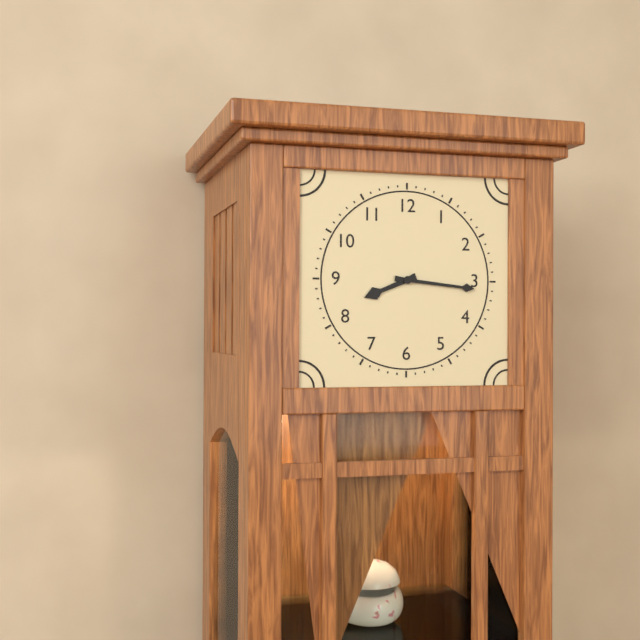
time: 8:16
